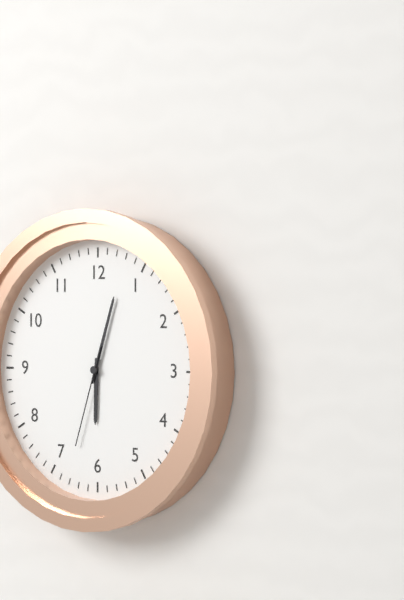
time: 6:03:33
